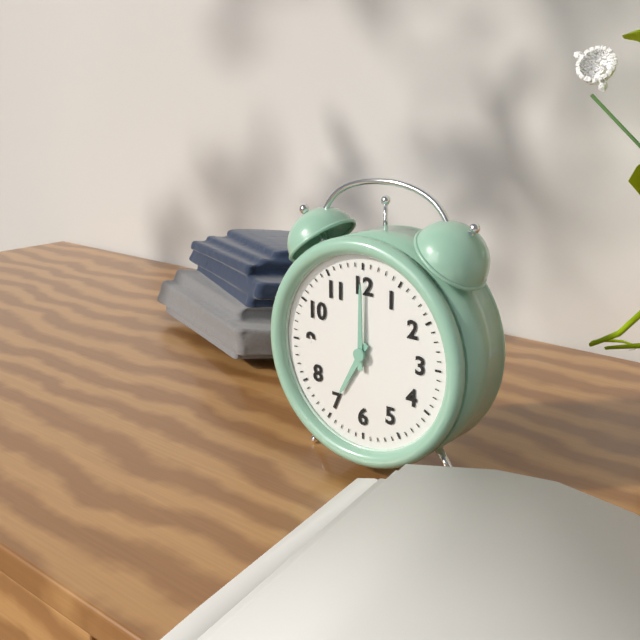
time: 7:00
